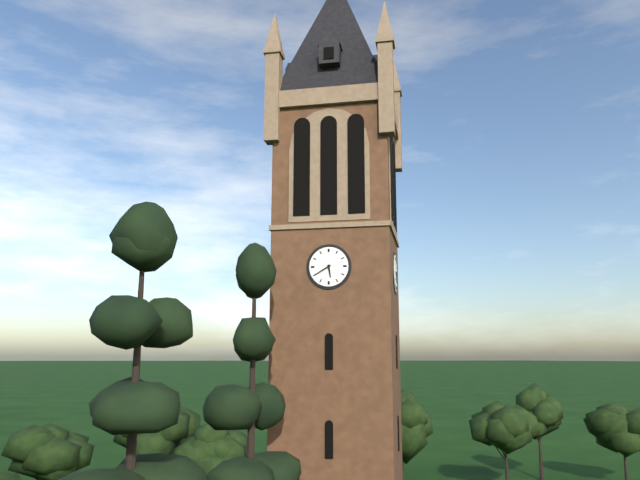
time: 5:40
